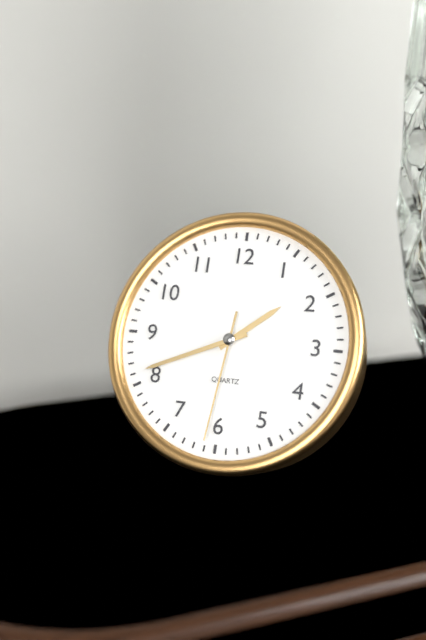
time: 1:41:31
